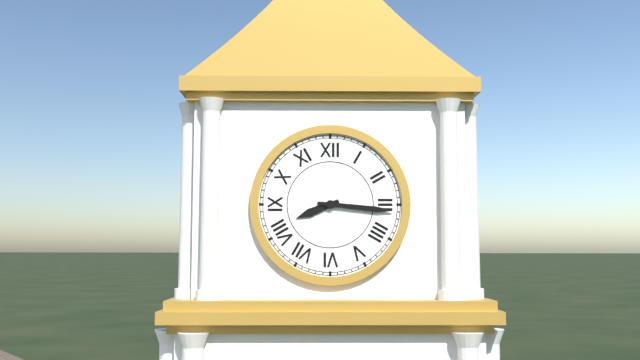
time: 8:16
